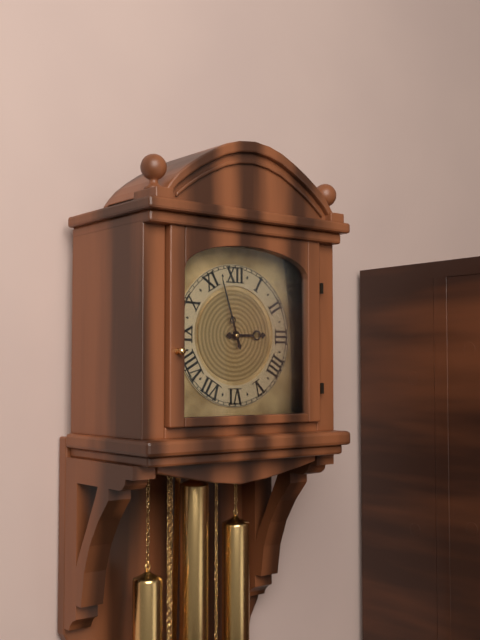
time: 2:57
